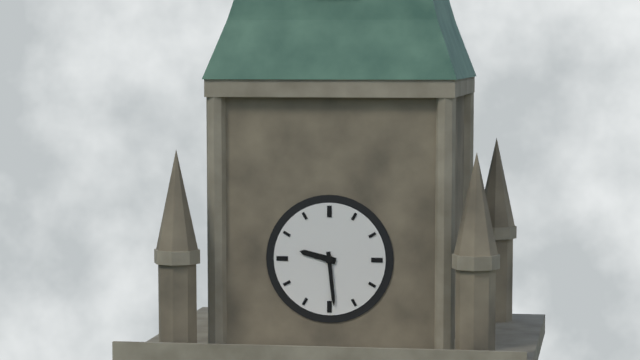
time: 9:29
